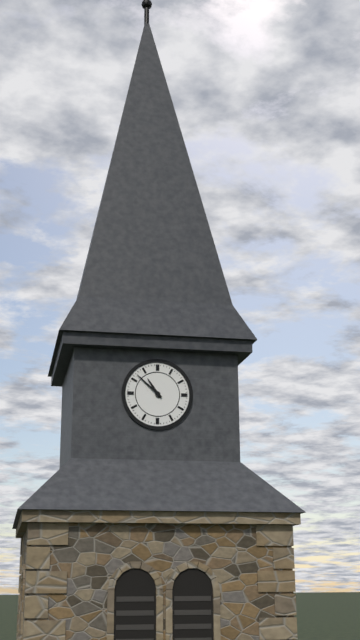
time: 10:52
